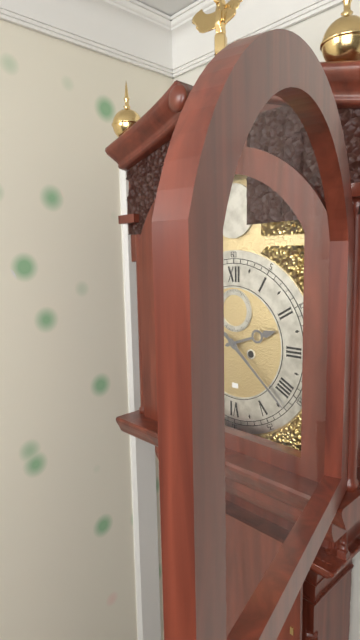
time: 2:22
